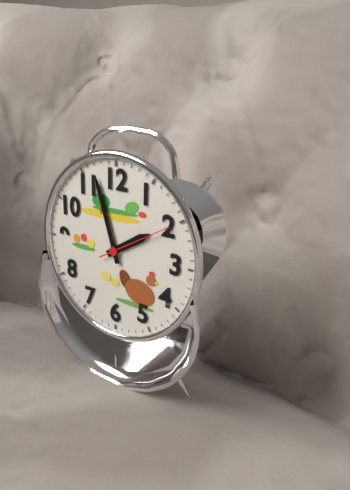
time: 1:57:10
